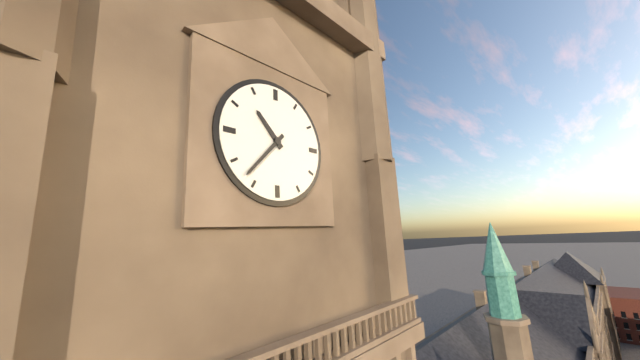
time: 10:37
